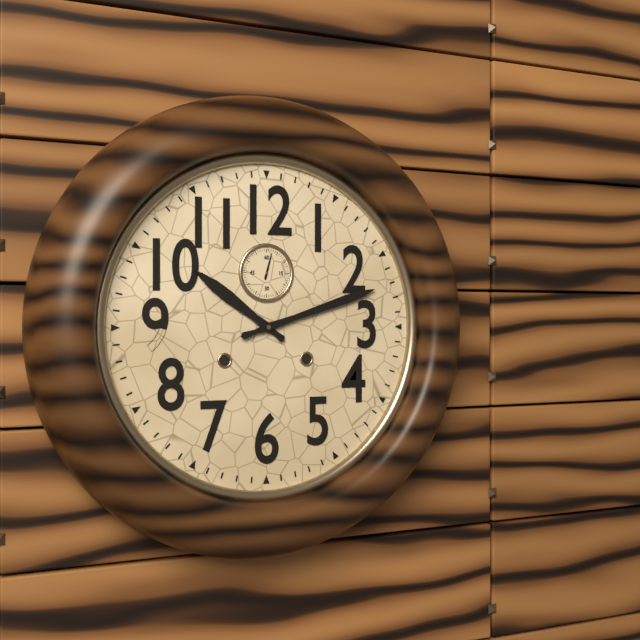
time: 10:12
